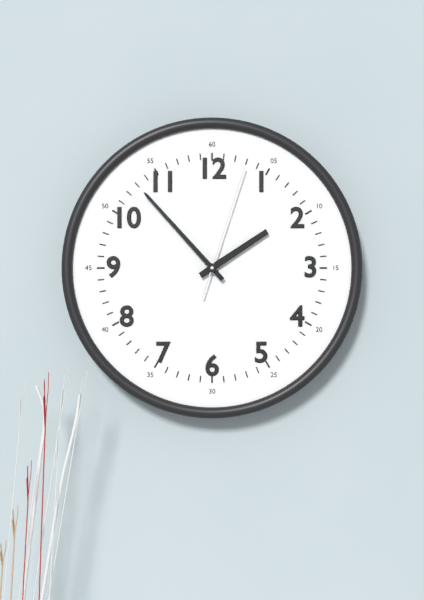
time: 1:53:03
